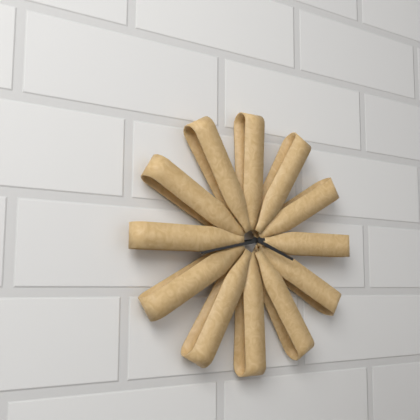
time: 3:43
